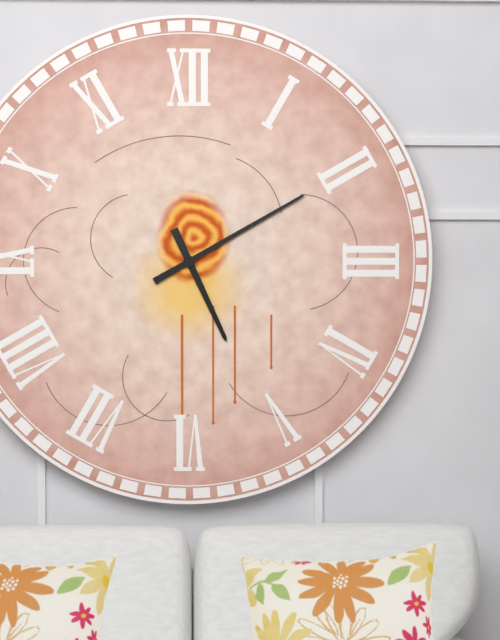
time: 5:10
